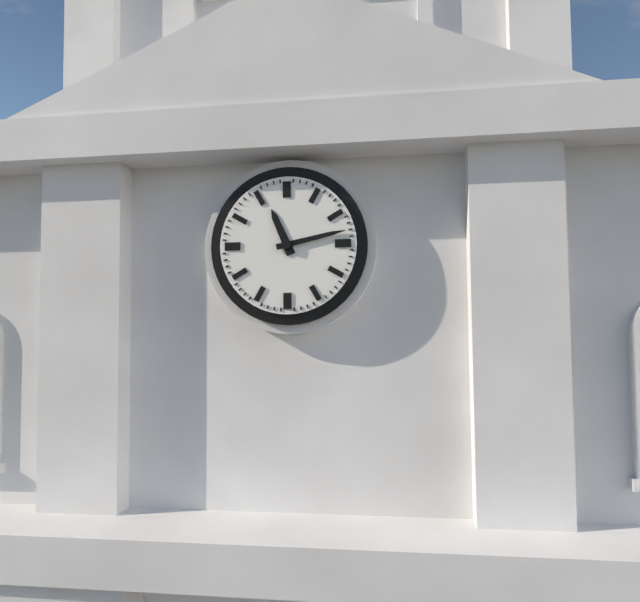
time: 11:13
